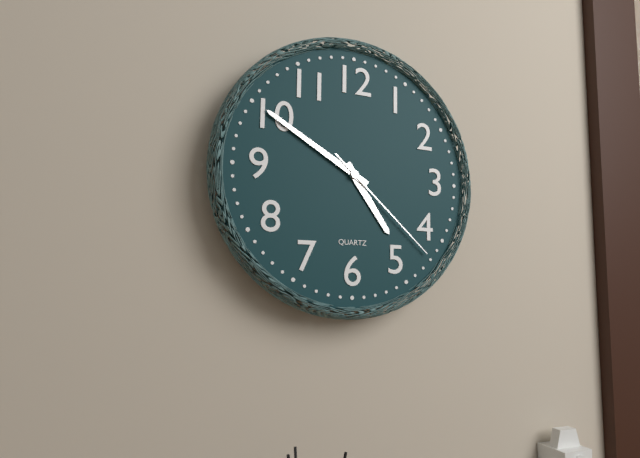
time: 4:50:22
